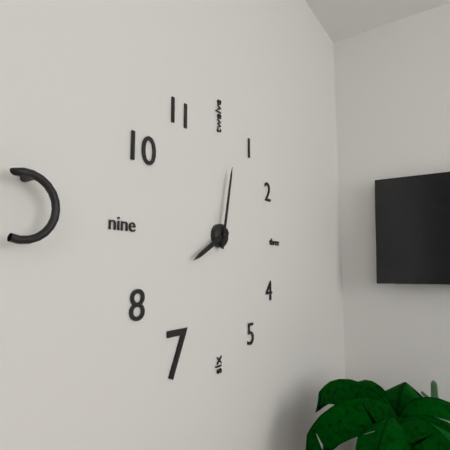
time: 8:02
